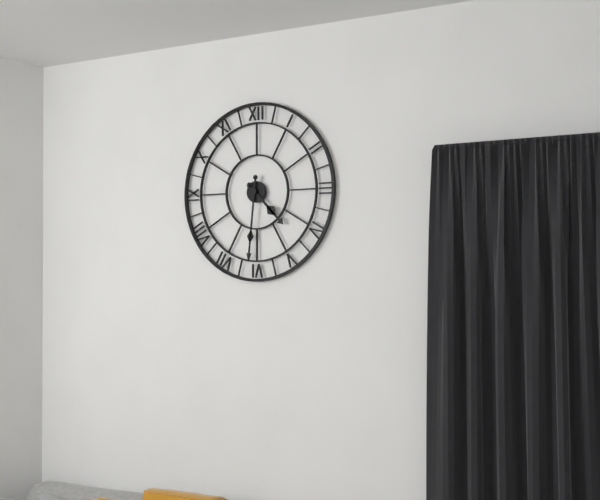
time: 4:31
